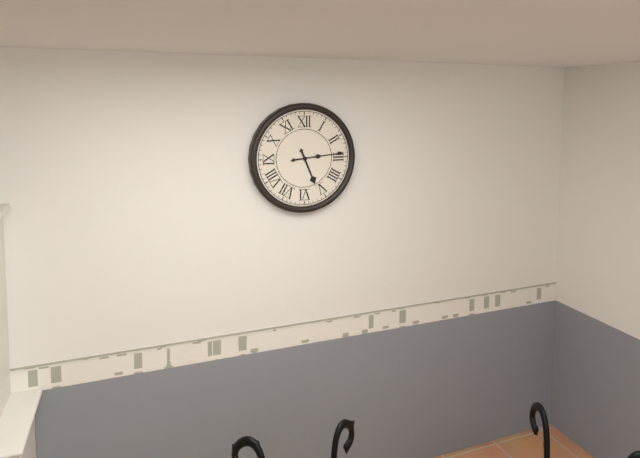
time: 5:14
